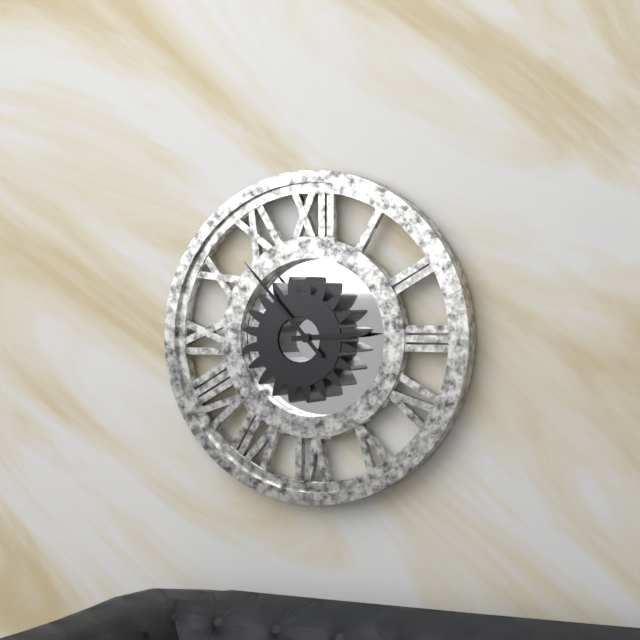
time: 2:53
